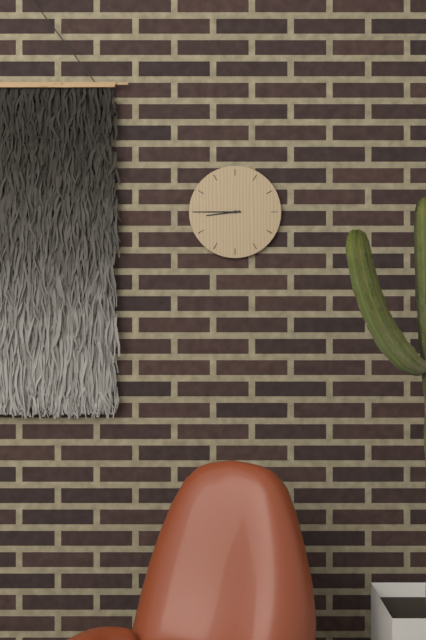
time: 8:45
